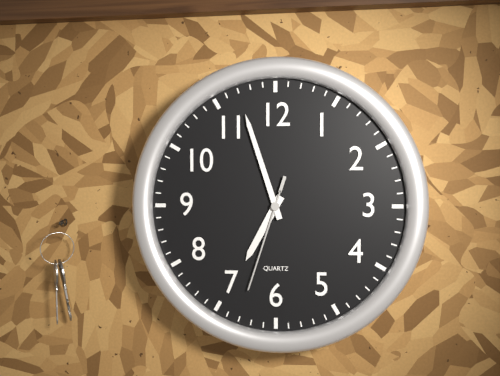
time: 6:57:33
